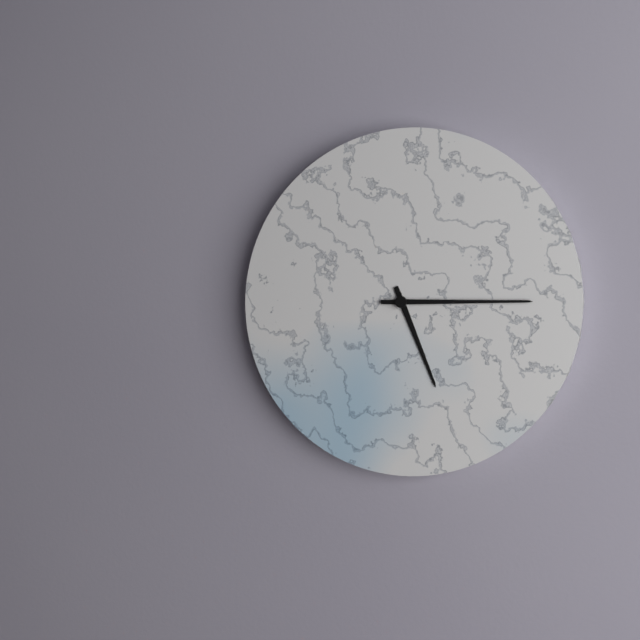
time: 5:15
